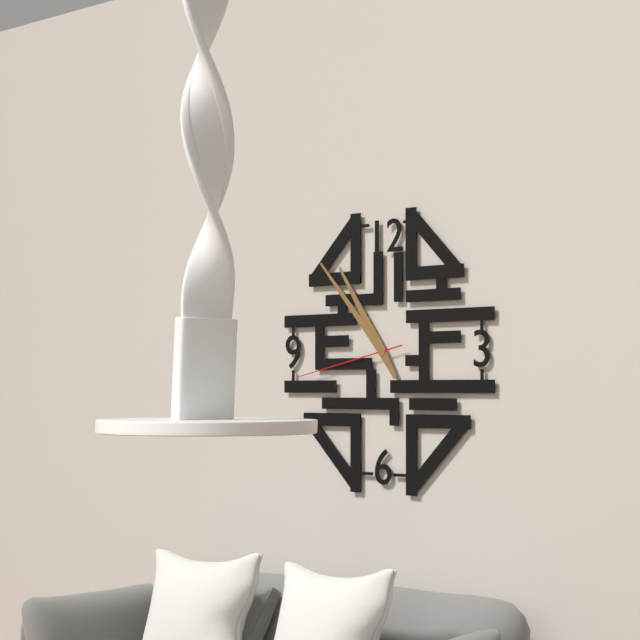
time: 10:53:43
